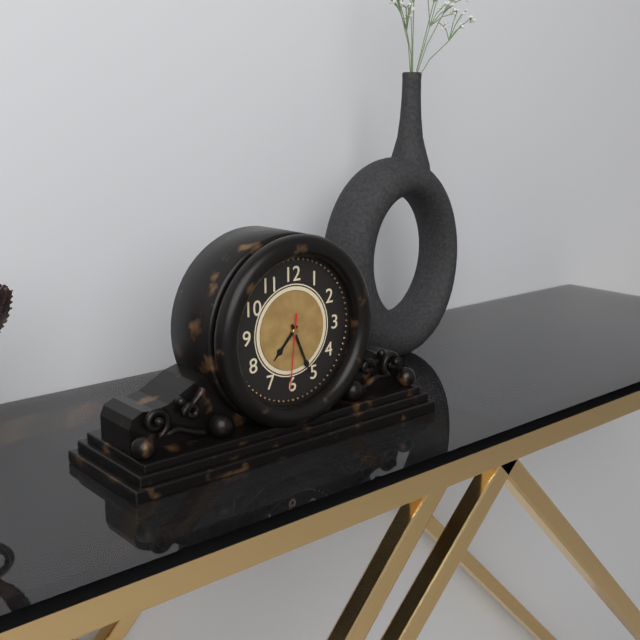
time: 7:26:31
